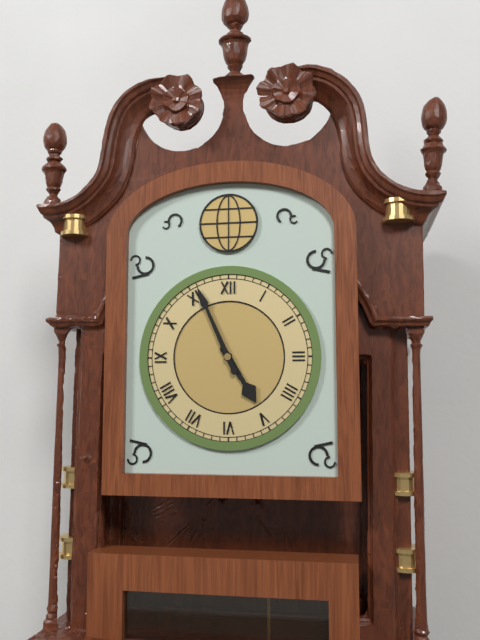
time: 4:56
